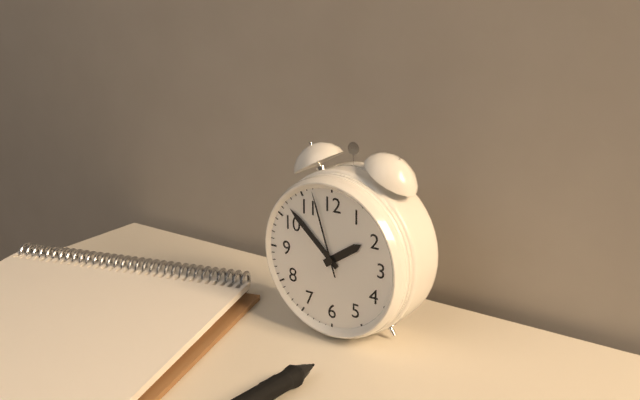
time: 1:52:57
